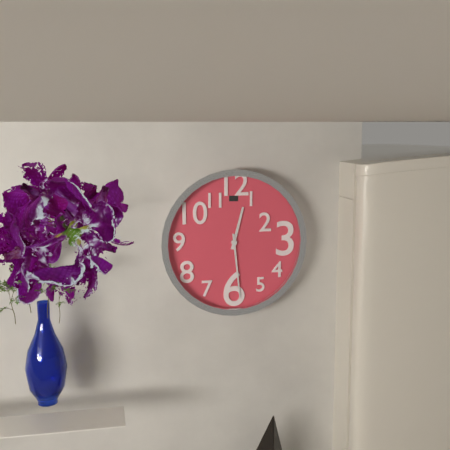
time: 12:29
